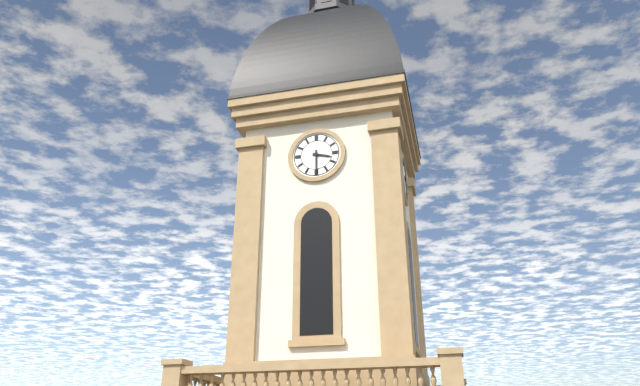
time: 3:30
